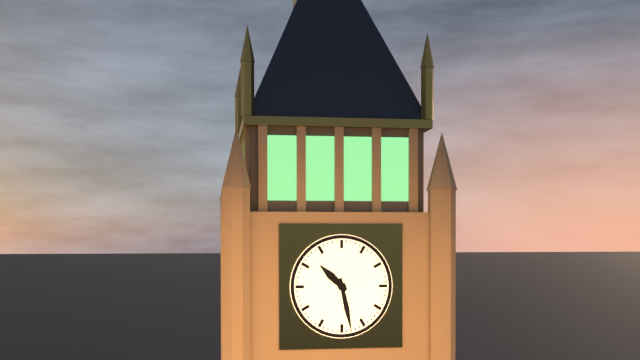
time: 10:28
